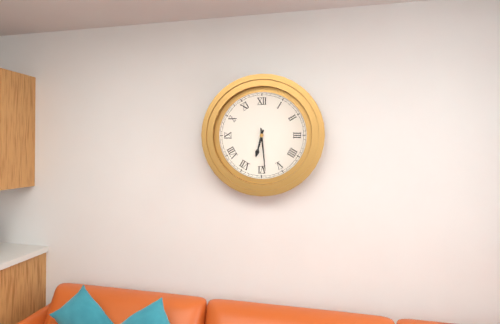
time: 6:29
